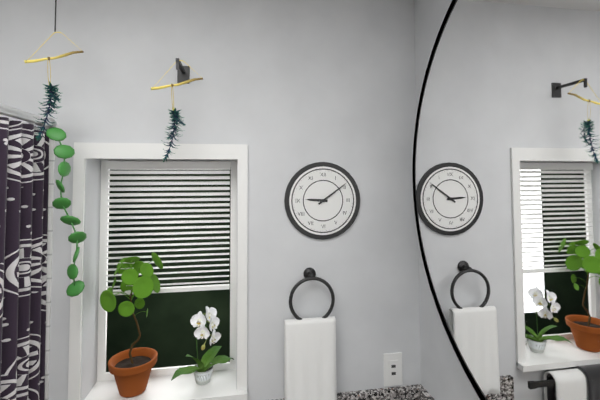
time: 9:09
